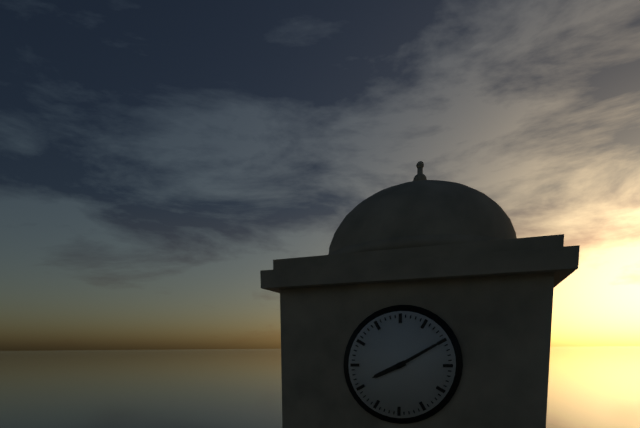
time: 8:10
